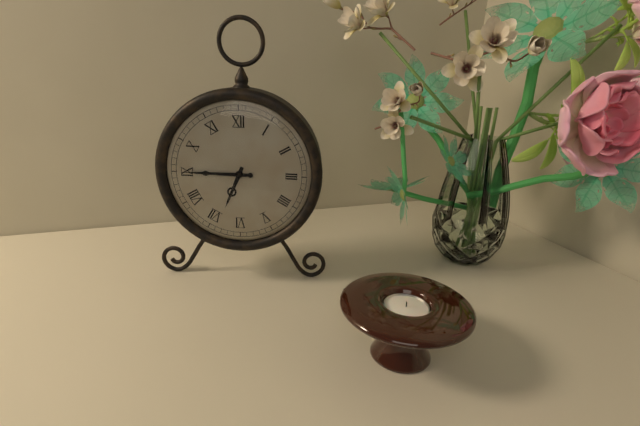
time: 6:45
